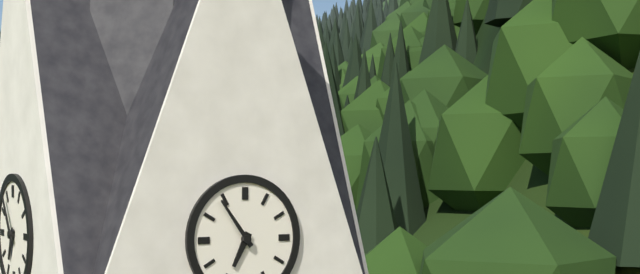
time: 6:54
